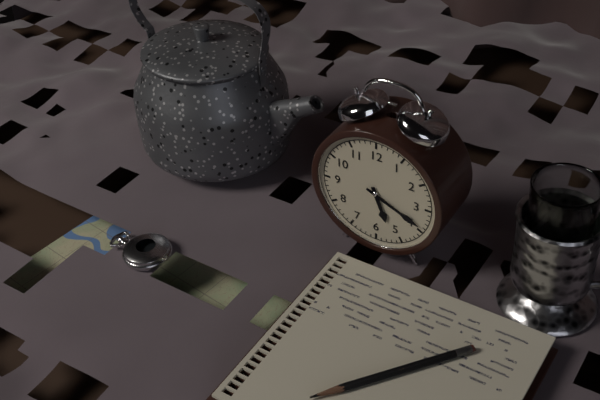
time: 5:19
